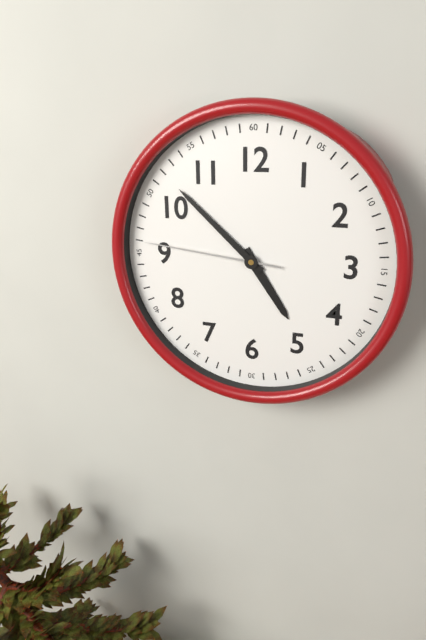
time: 4:52:46
